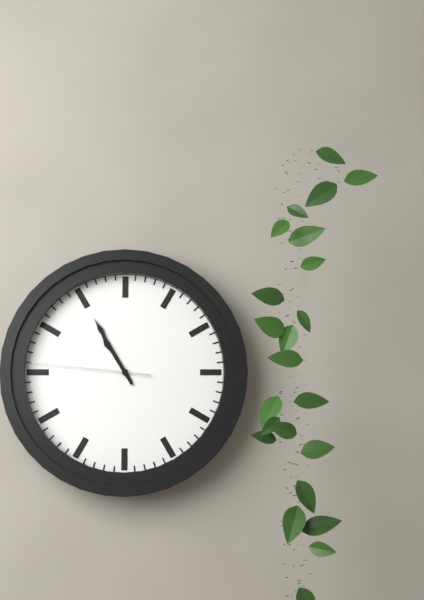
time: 10:55:46
